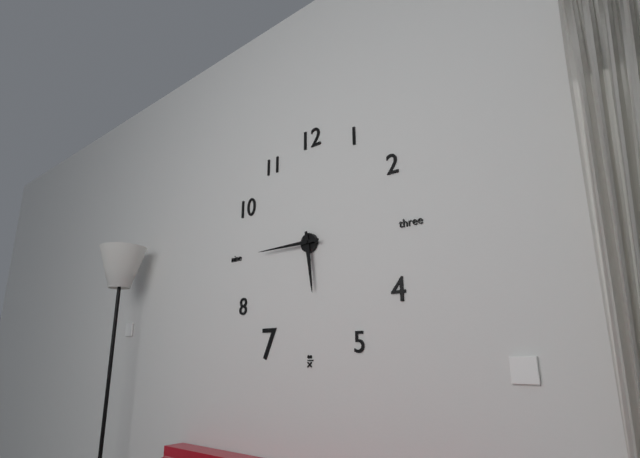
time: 5:45
